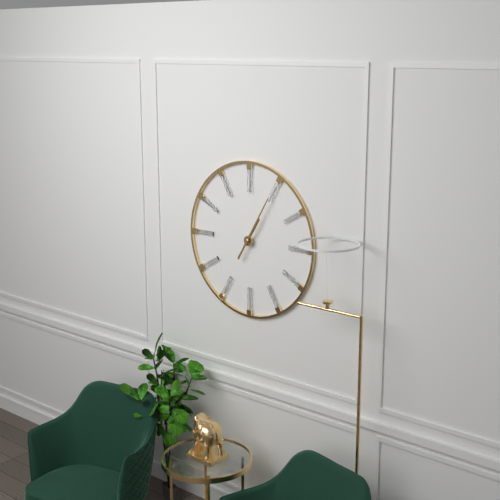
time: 1:05
